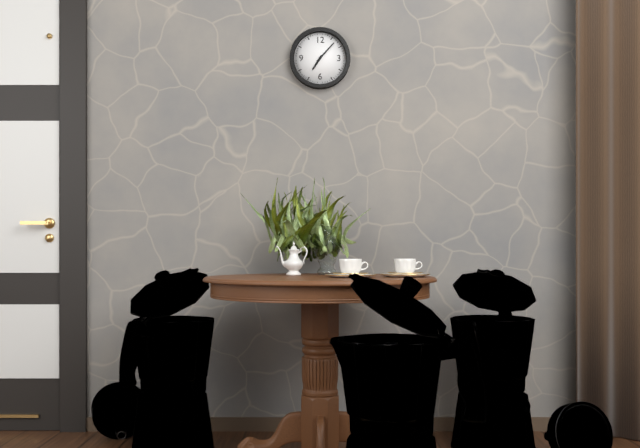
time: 7:07
